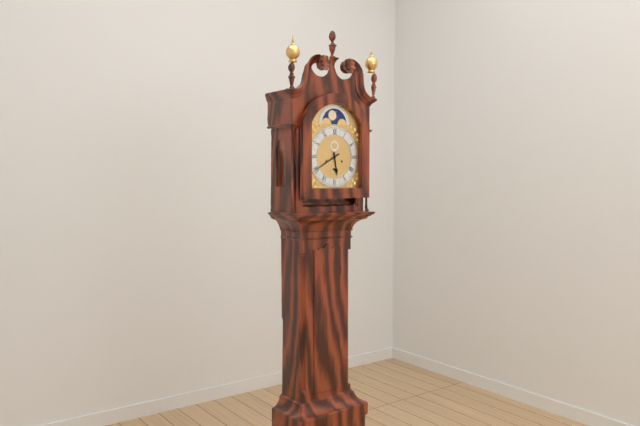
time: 5:40
